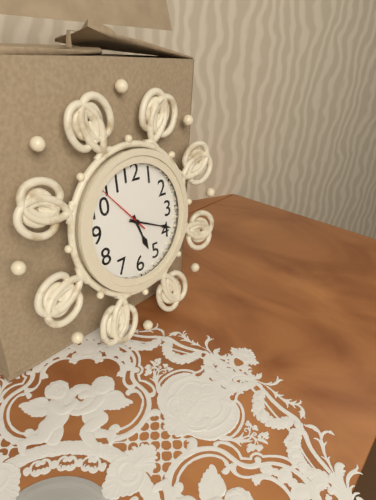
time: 5:19:53
